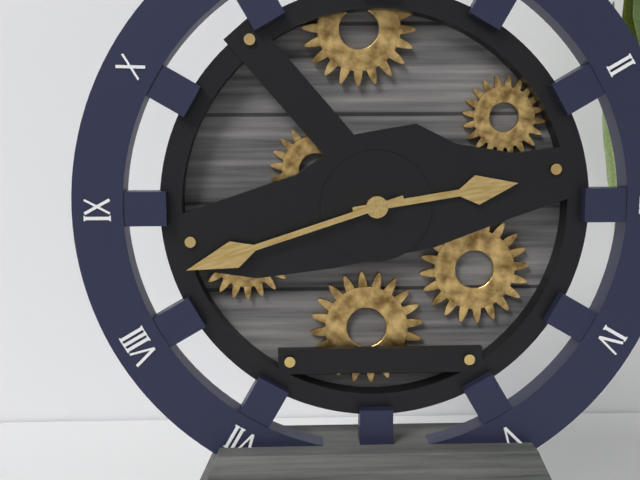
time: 2:42
